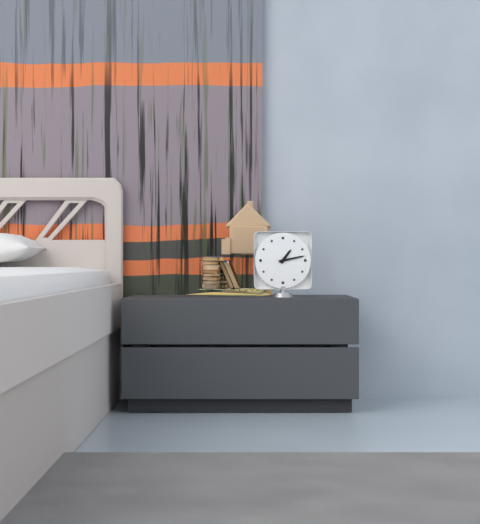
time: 1:13
